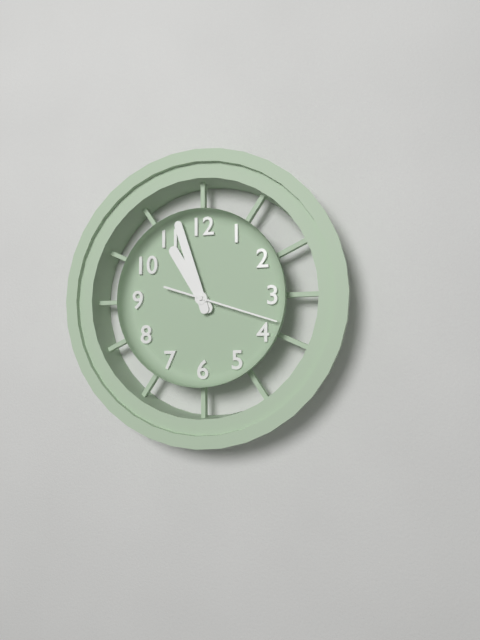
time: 10:57:18
